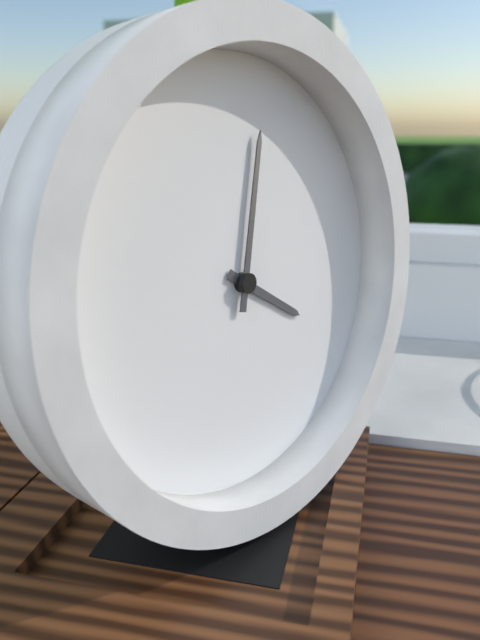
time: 4:02
